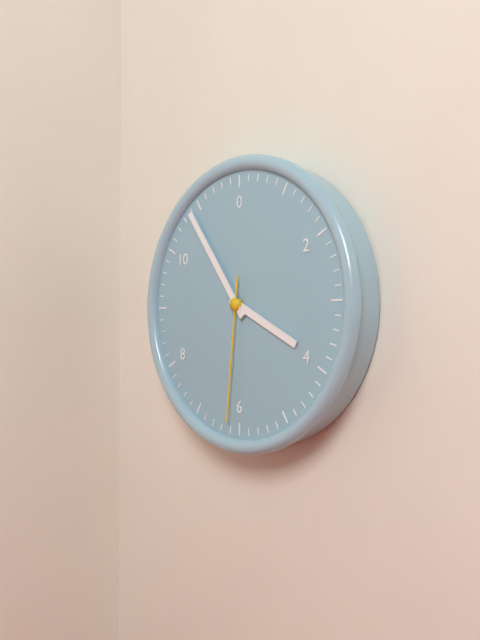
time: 3:54:31
